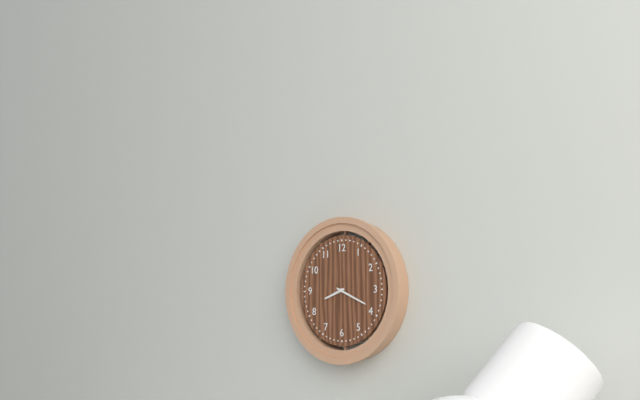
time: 8:19
